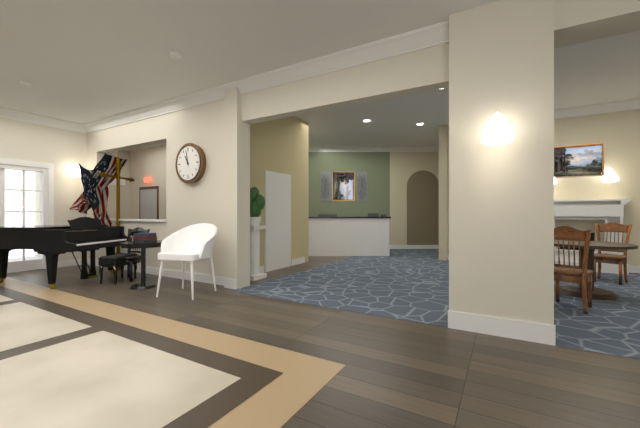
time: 10:58
